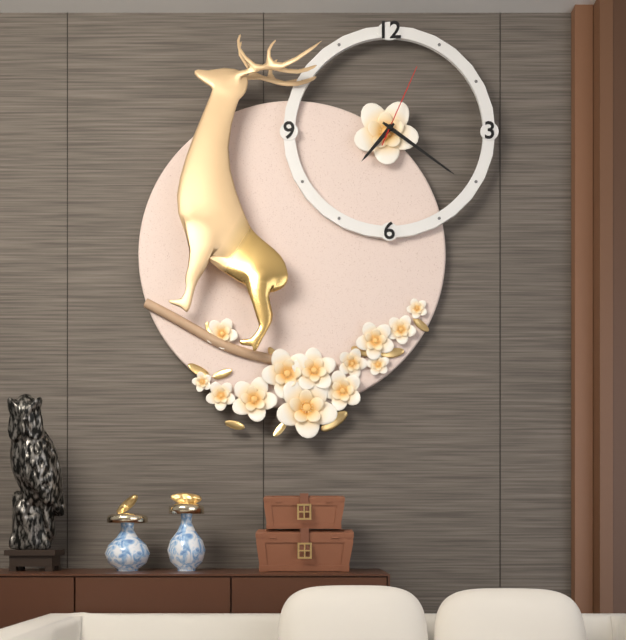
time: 7:21:04
